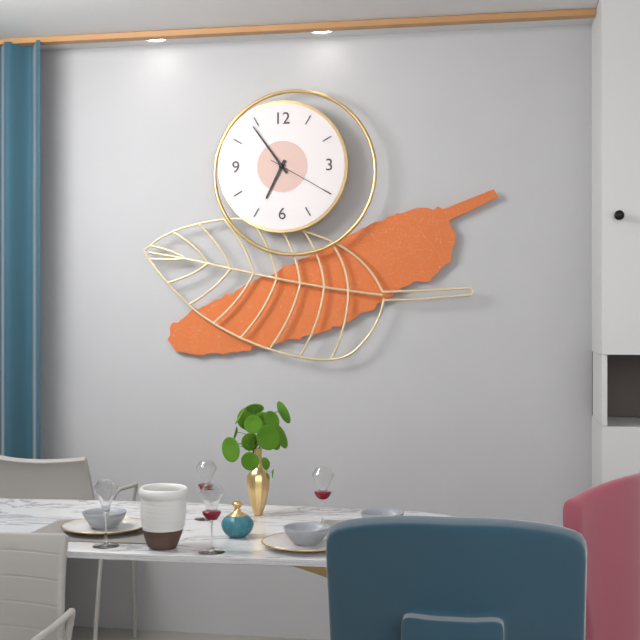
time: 6:54:20
